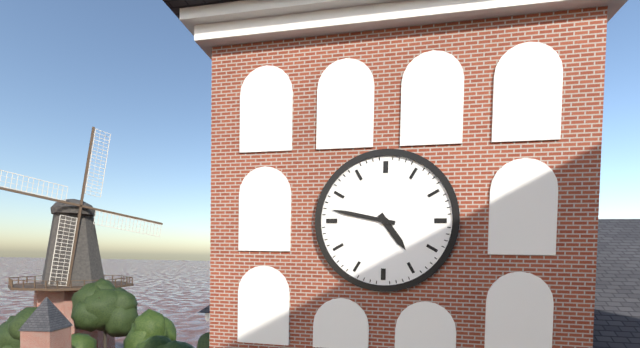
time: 4:47
